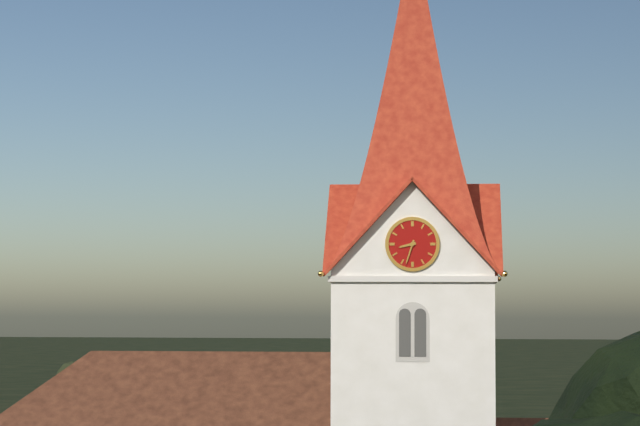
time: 8:33
